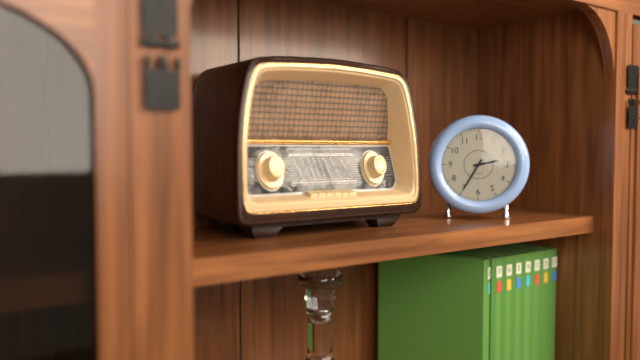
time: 2:35
